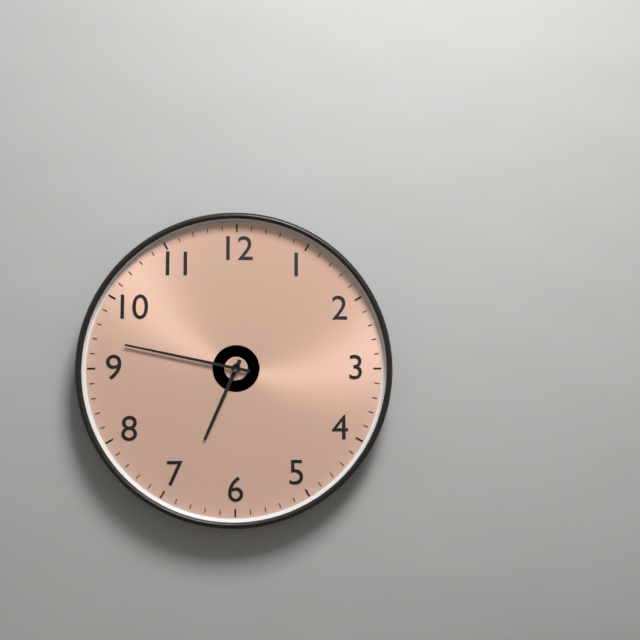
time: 6:47
